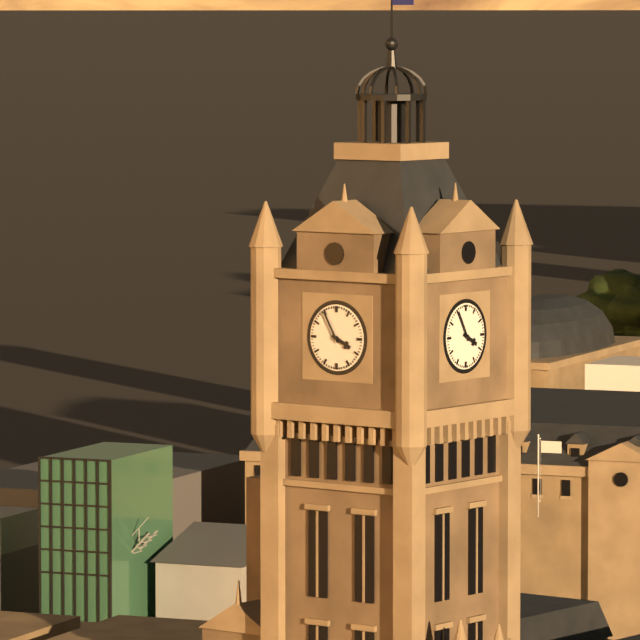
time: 3:55
